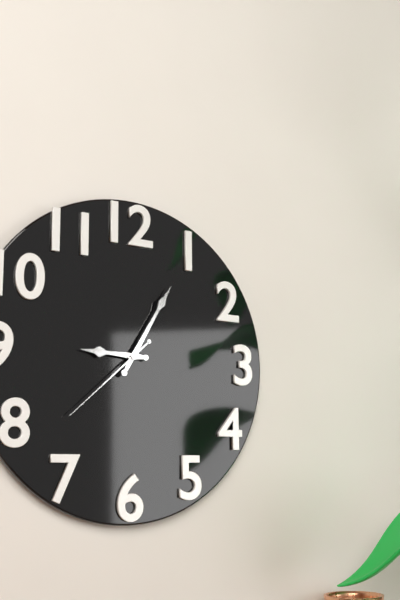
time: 9:05:38
